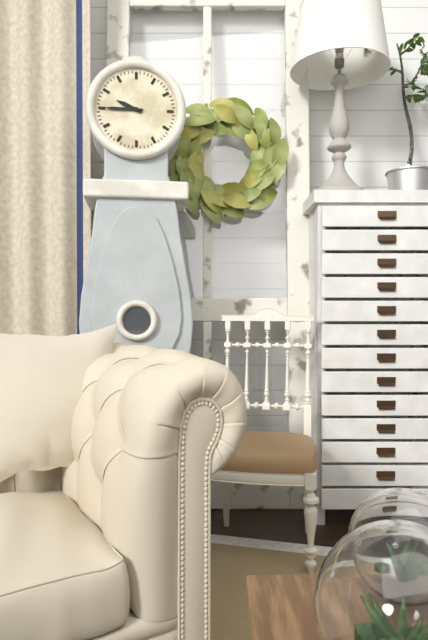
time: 9:45
